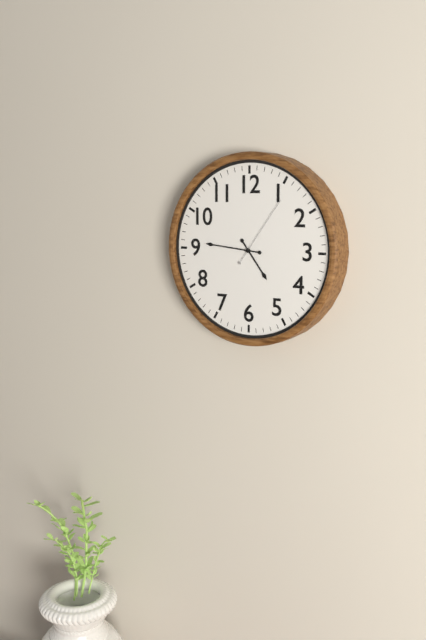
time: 4:46:06
